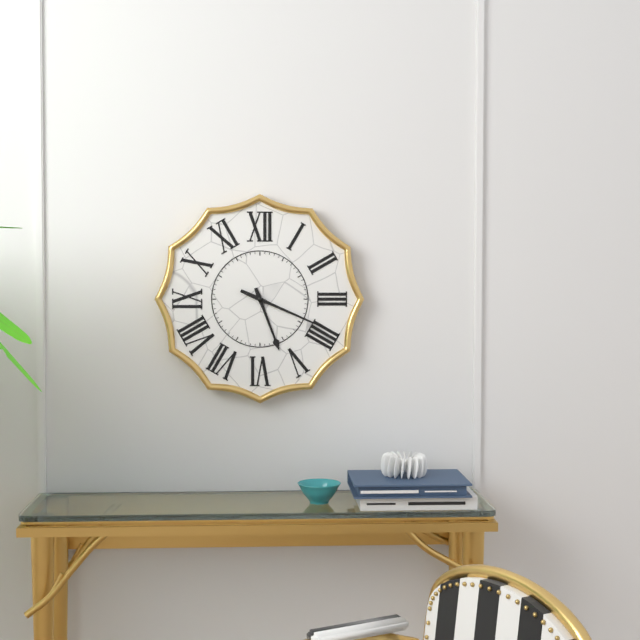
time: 5:19
